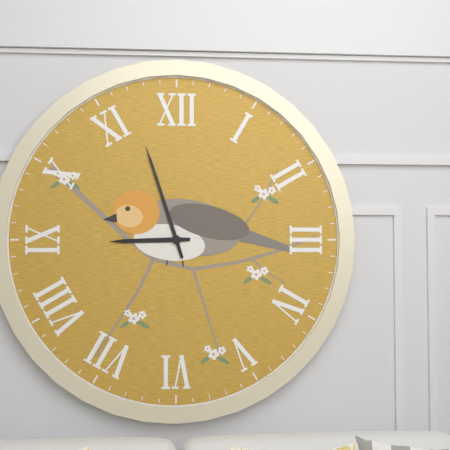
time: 8:57
